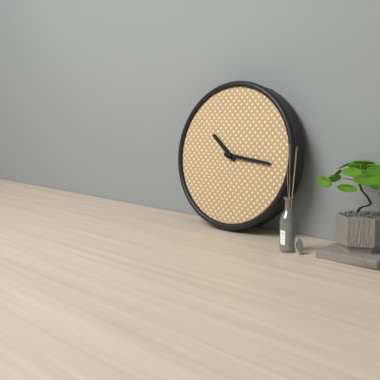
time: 10:16
